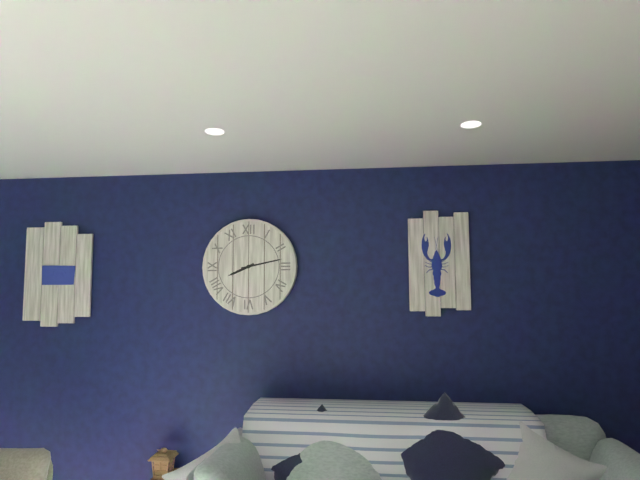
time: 8:13
